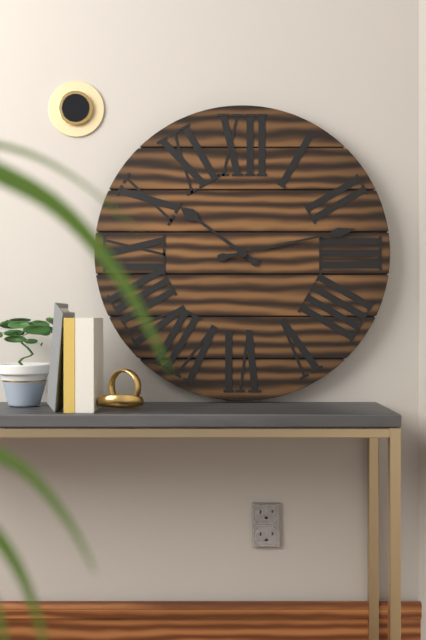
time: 10:13
